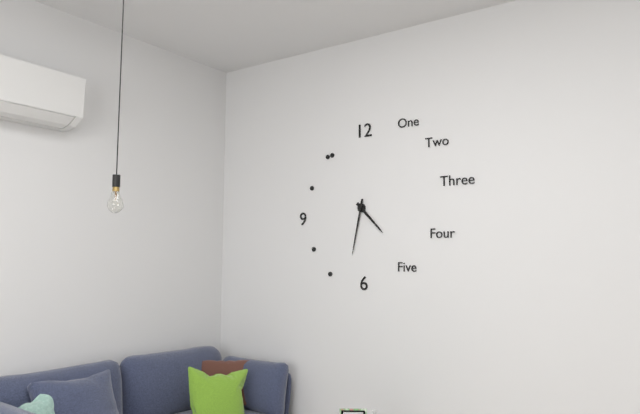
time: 4:32
